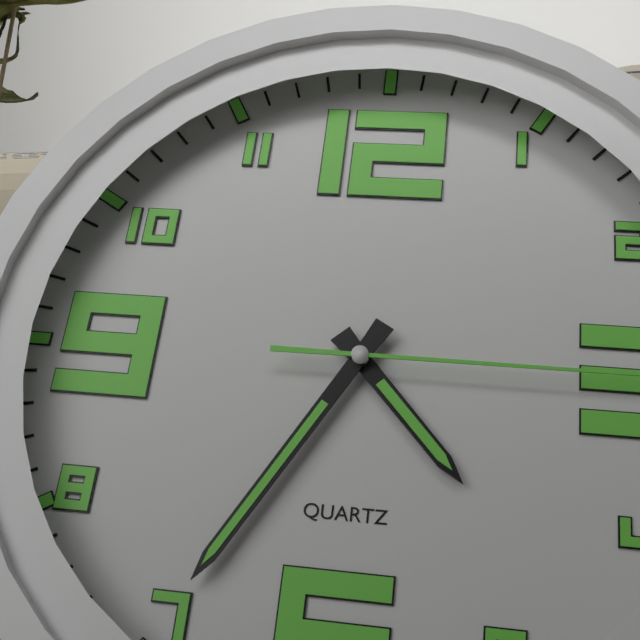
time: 4:35
